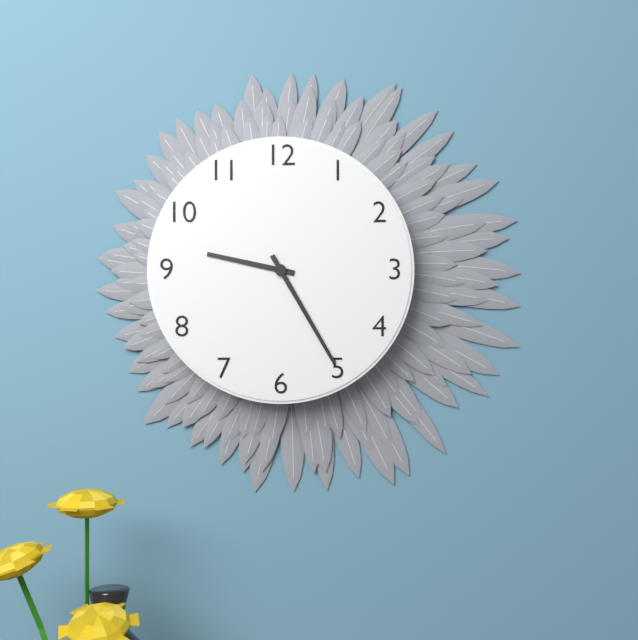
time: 9:25
